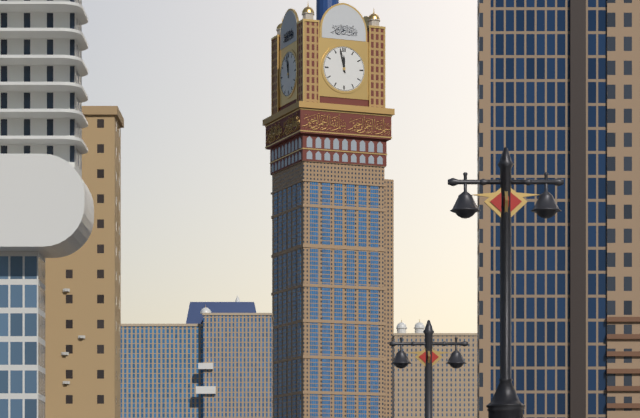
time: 11:58
